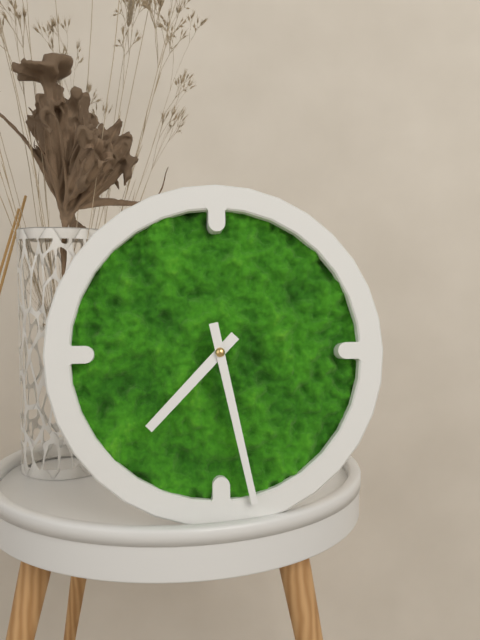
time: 7:28
